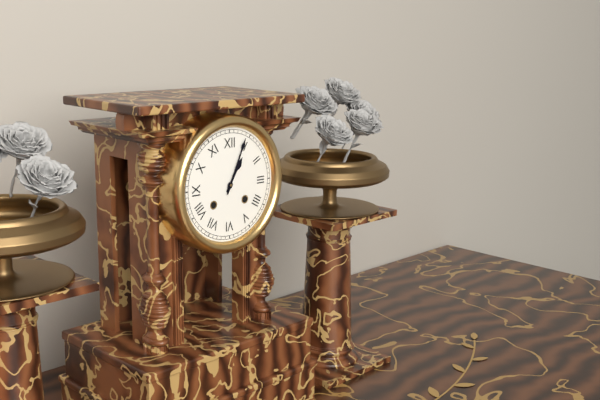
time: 1:04
